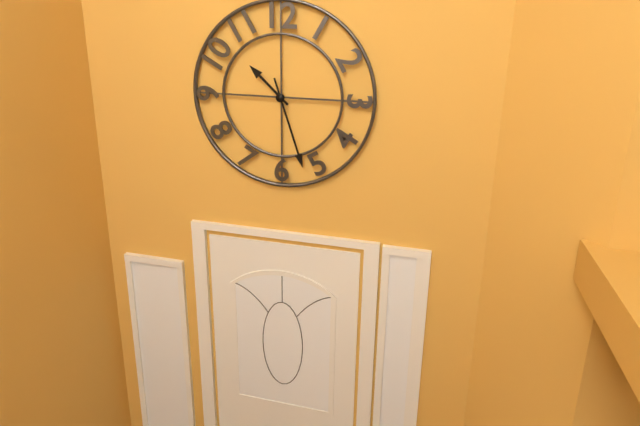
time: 10:27
